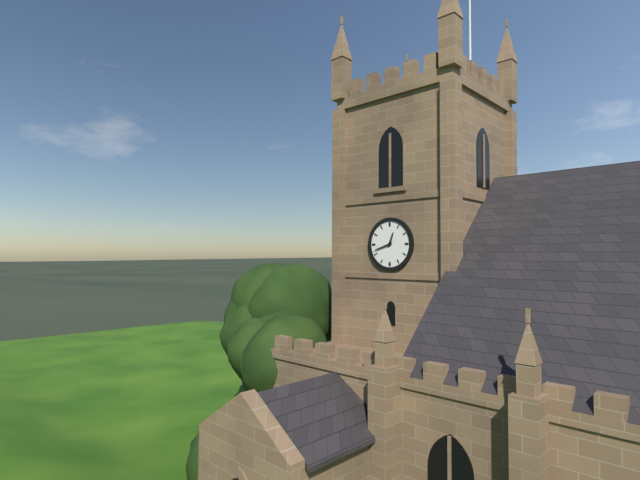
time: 12:42
